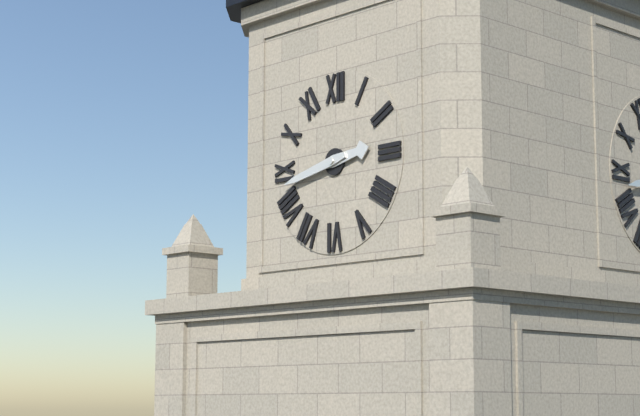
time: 2:43
